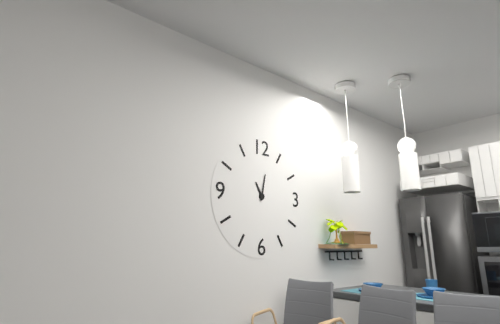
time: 11:02
